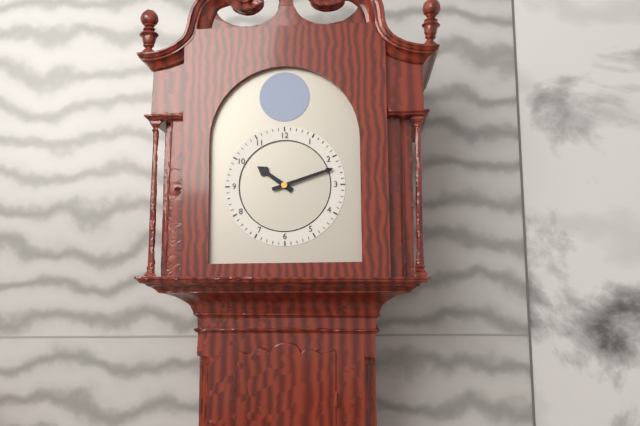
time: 10:12
